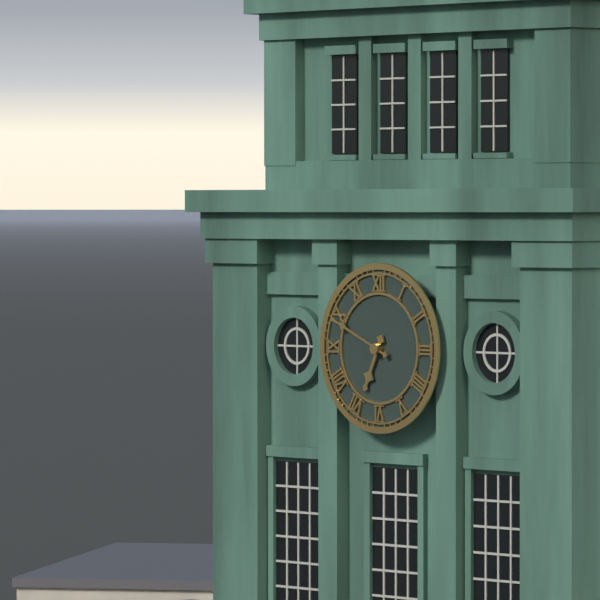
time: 6:49
